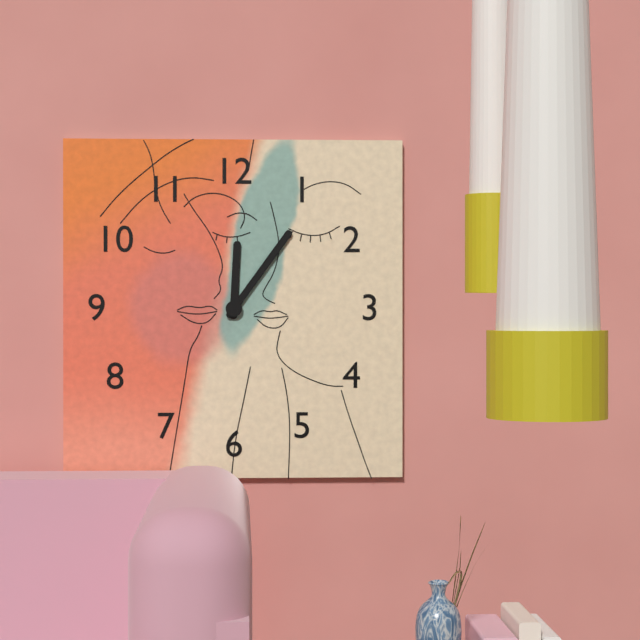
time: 12:06
